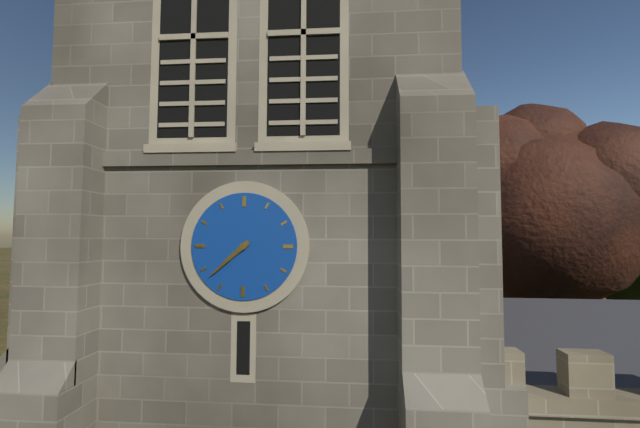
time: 7:38
